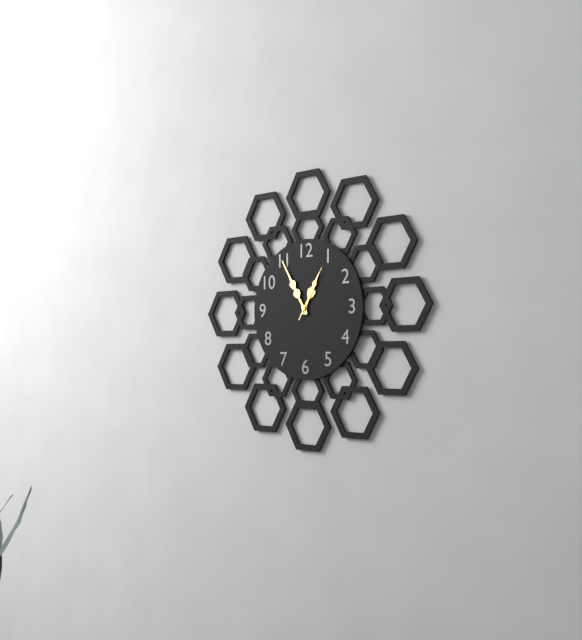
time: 12:55:05
